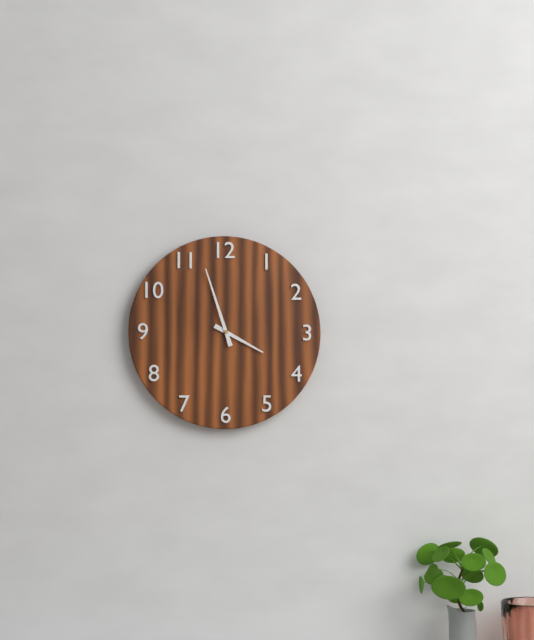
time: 3:57
